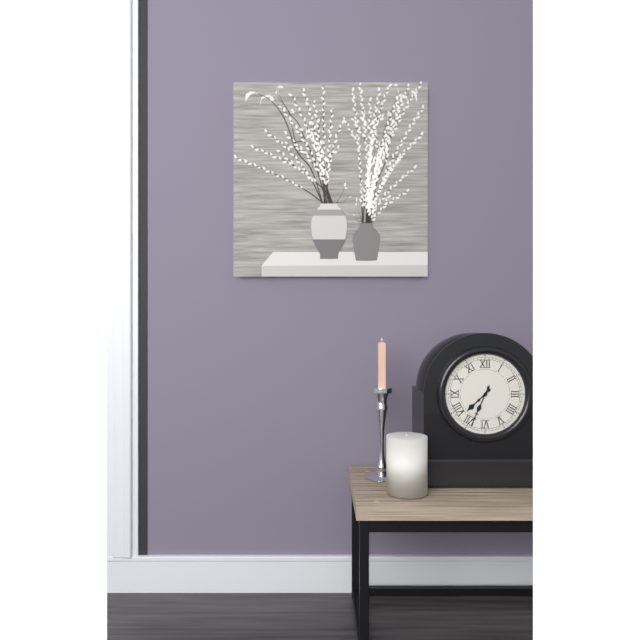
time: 7:34
